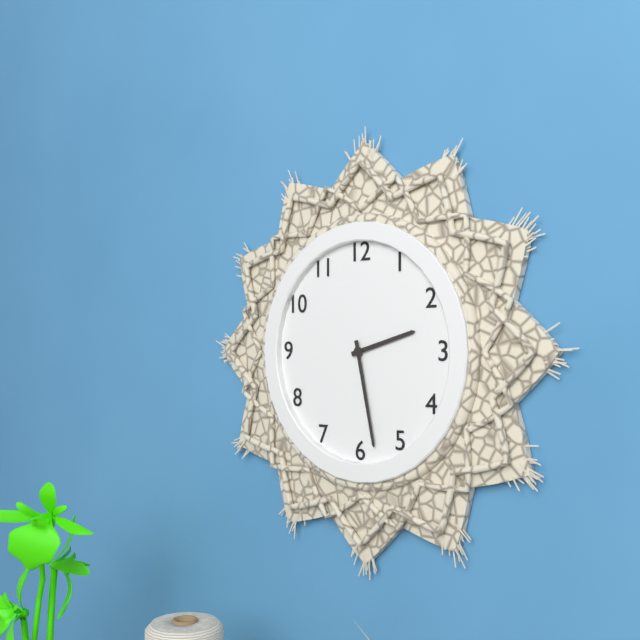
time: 2:28
